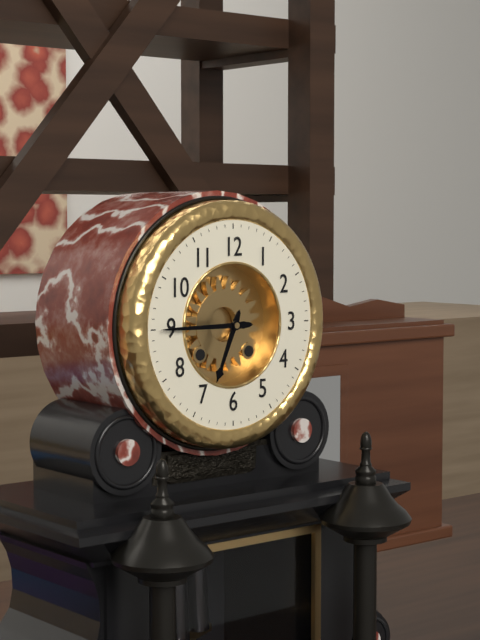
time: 6:45
